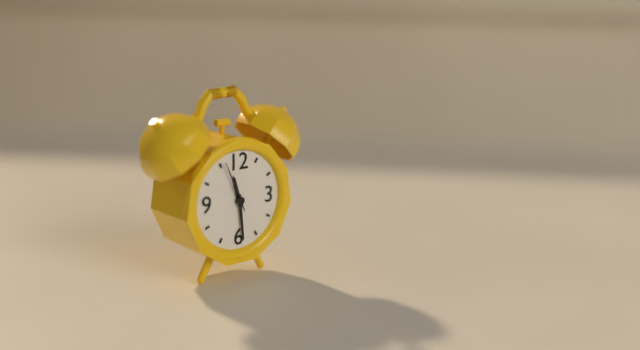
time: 11:29:56
